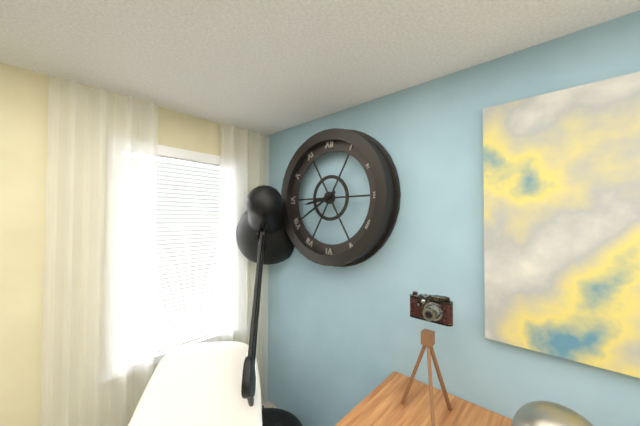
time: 8:40
